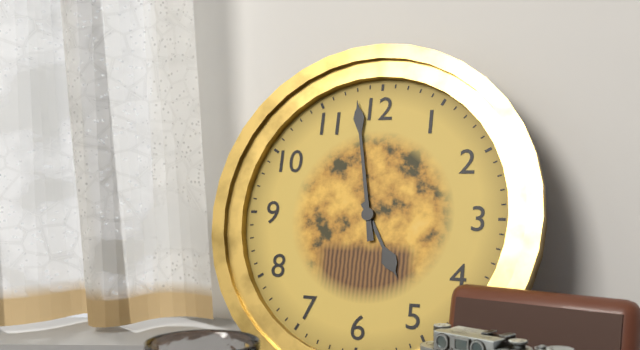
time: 4:58
